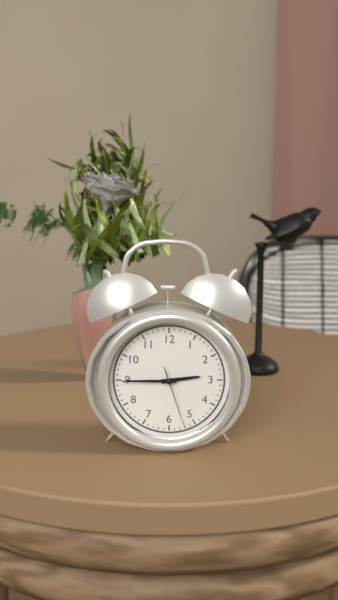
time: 2:45:27
